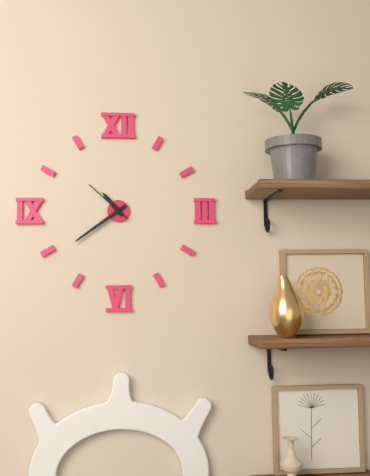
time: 10:39:52
